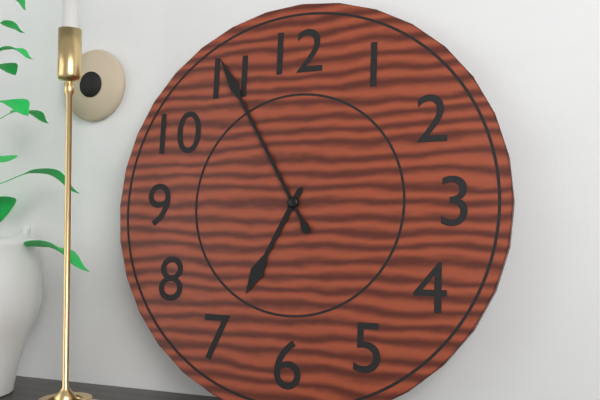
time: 6:55
